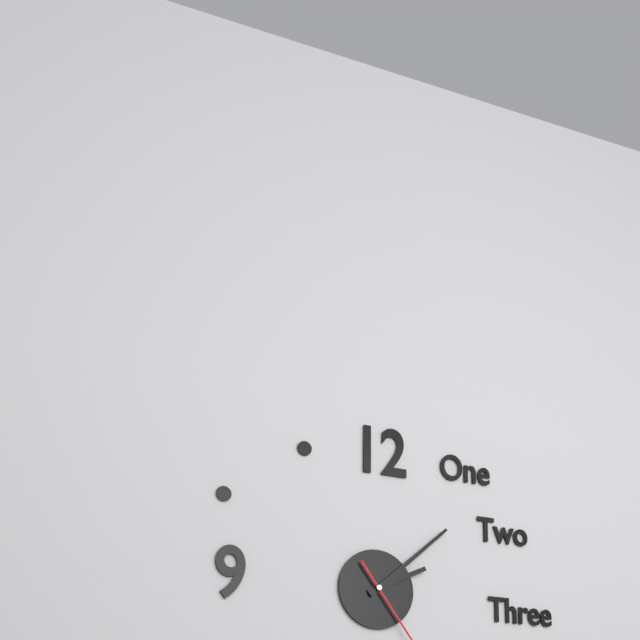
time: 2:08
